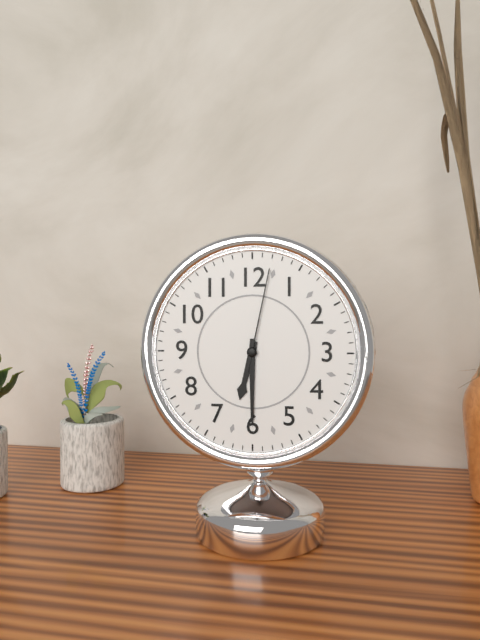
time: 6:30:02
